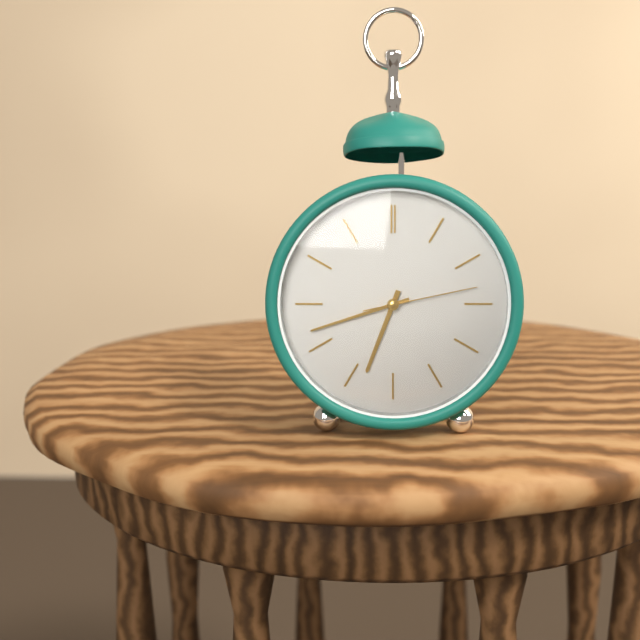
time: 6:42:13
